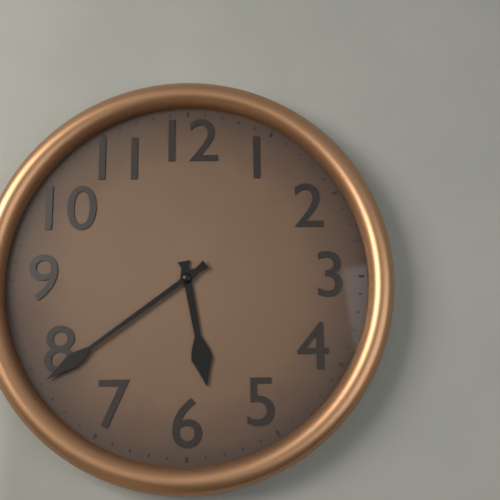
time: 5:39
